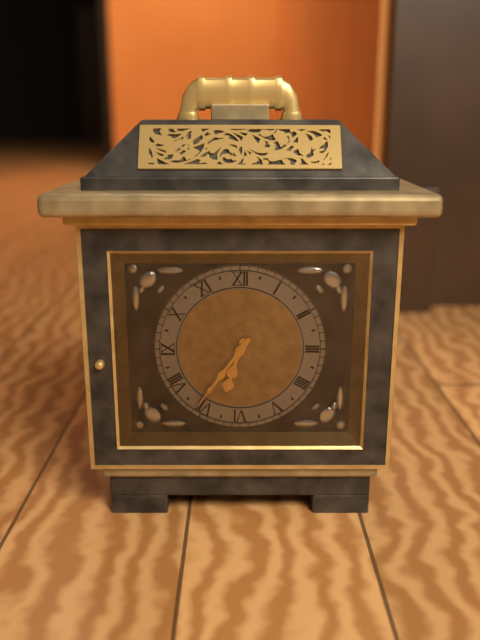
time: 6:36
